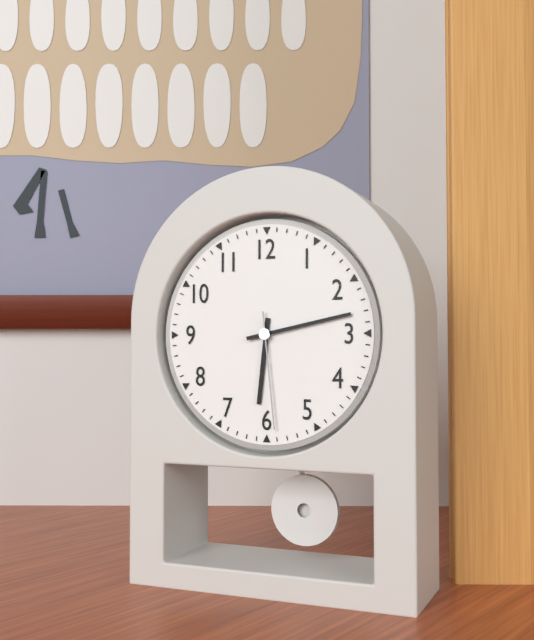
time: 6:13:29
